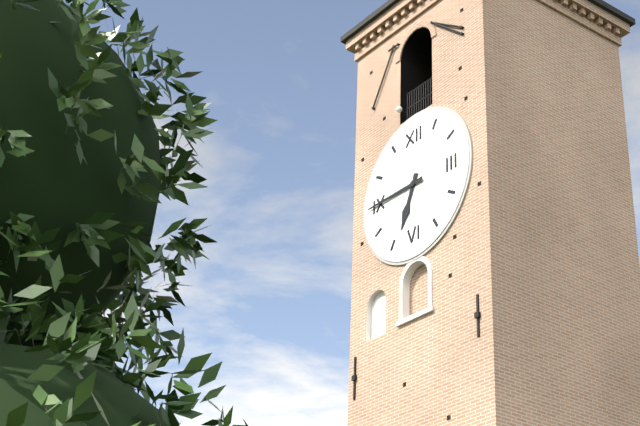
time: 6:45
